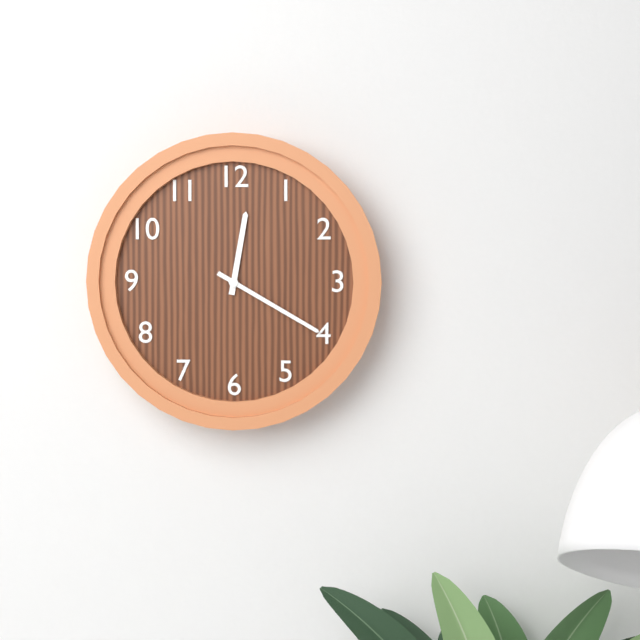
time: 12:20
